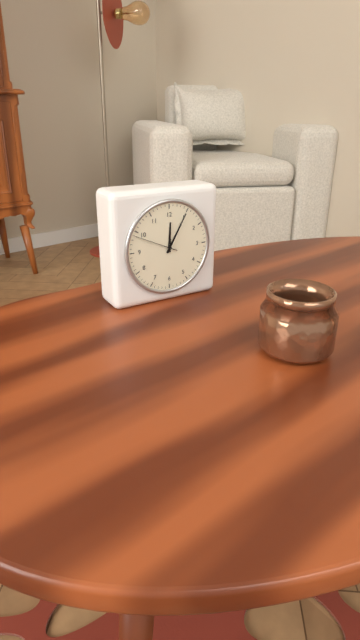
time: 12:05
